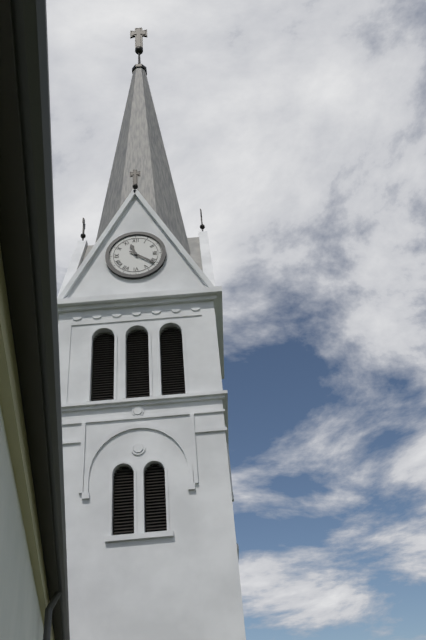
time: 11:21
